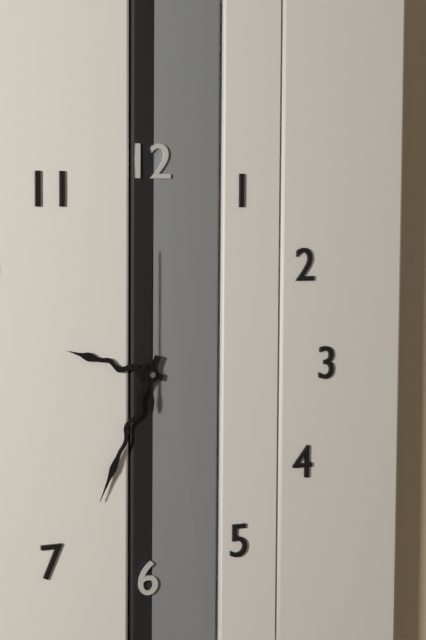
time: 9:34:00
